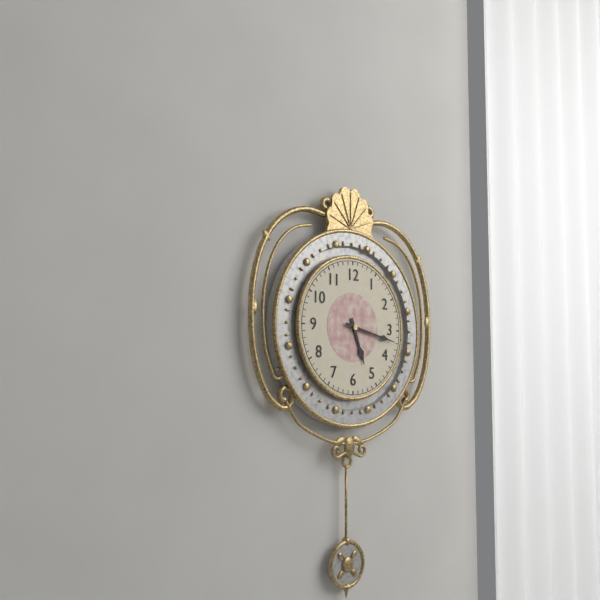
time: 5:17
